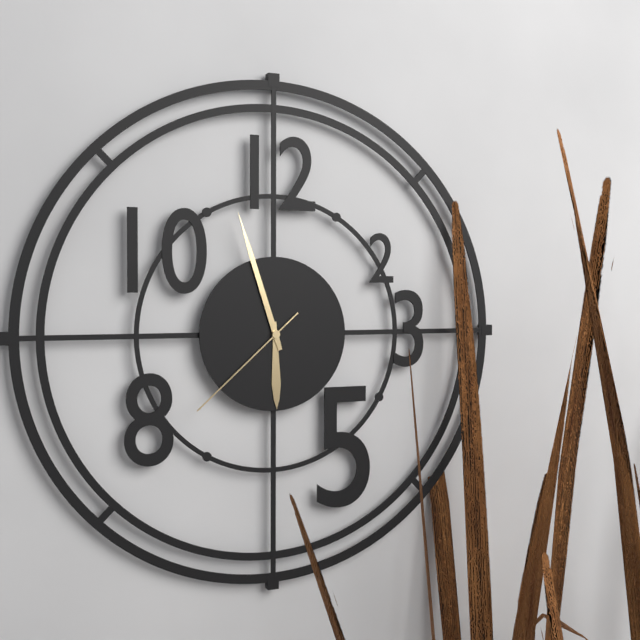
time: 5:57:38
